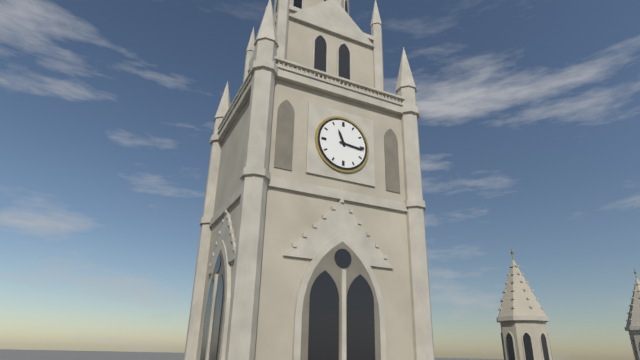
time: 11:16
